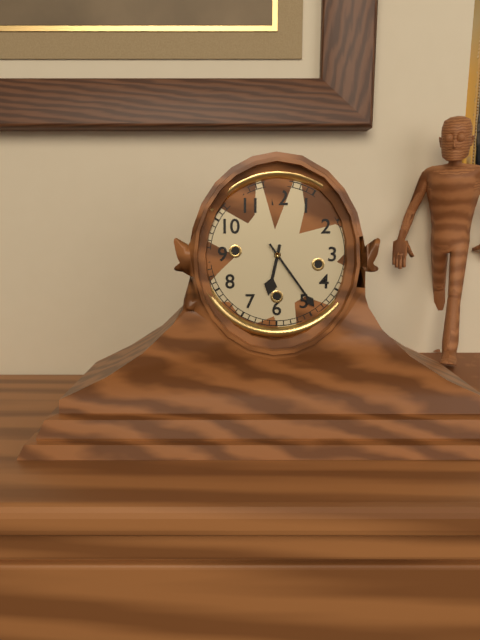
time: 6:24
